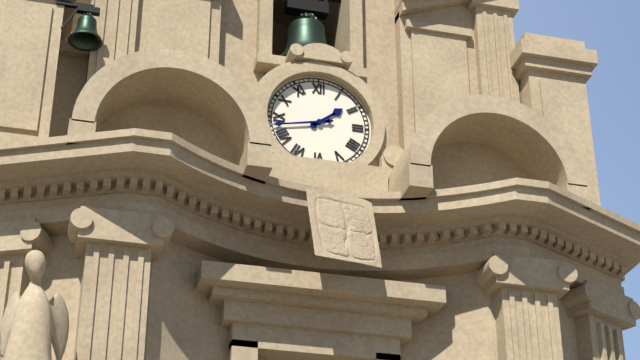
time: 1:43
